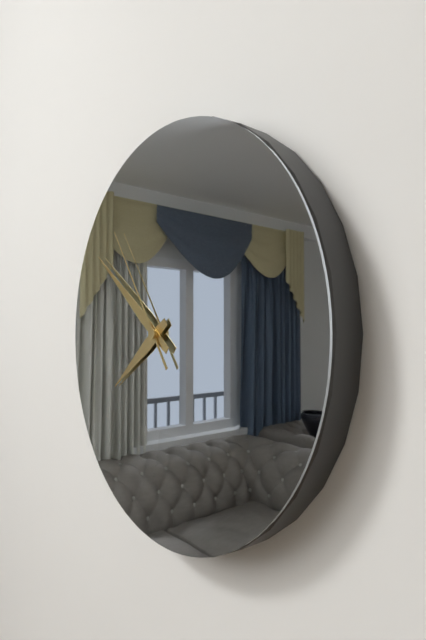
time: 7:51:54
